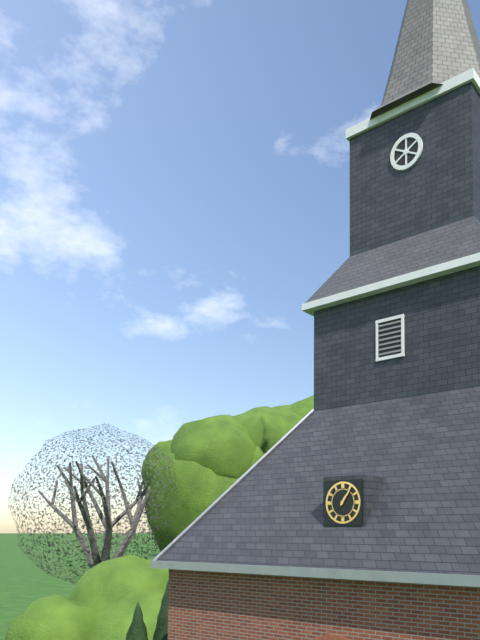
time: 1:06
